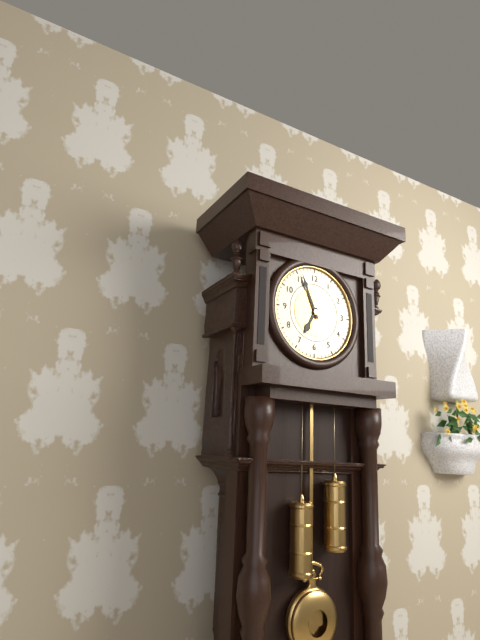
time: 6:56
